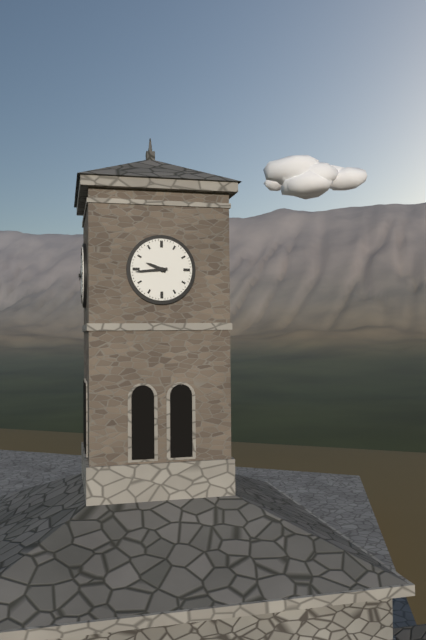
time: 9:44
